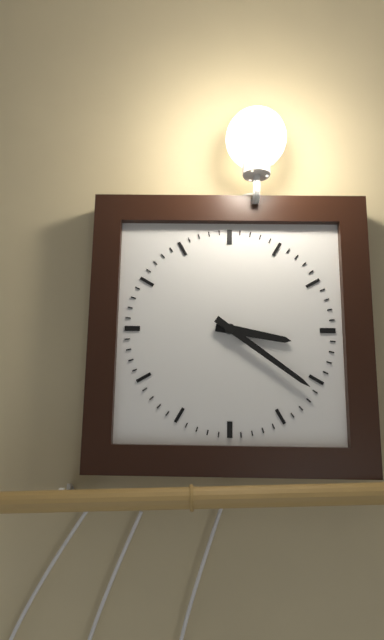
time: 3:21
